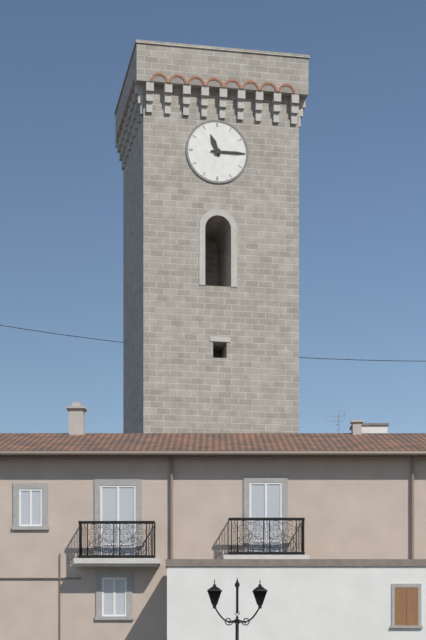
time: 11:15
